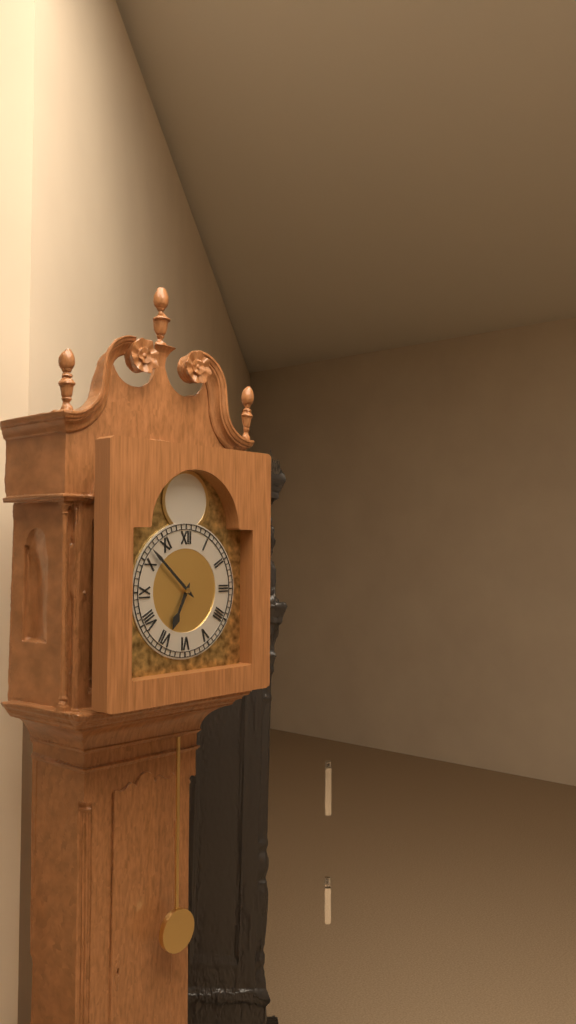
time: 6:52
